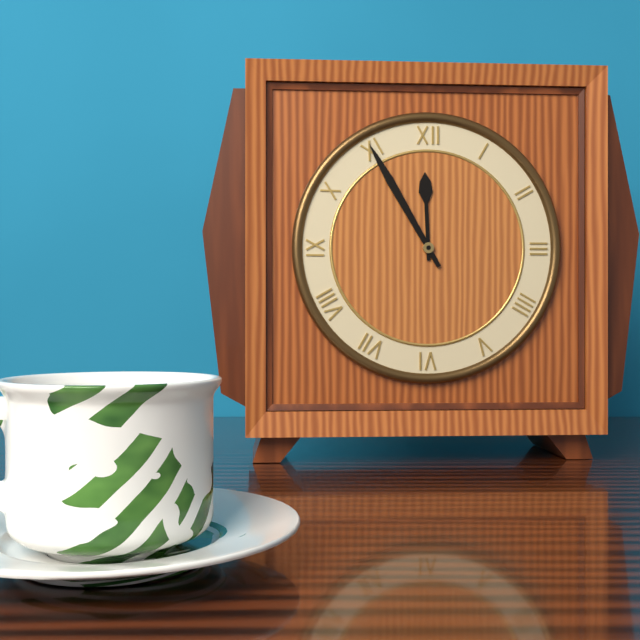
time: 11:55
